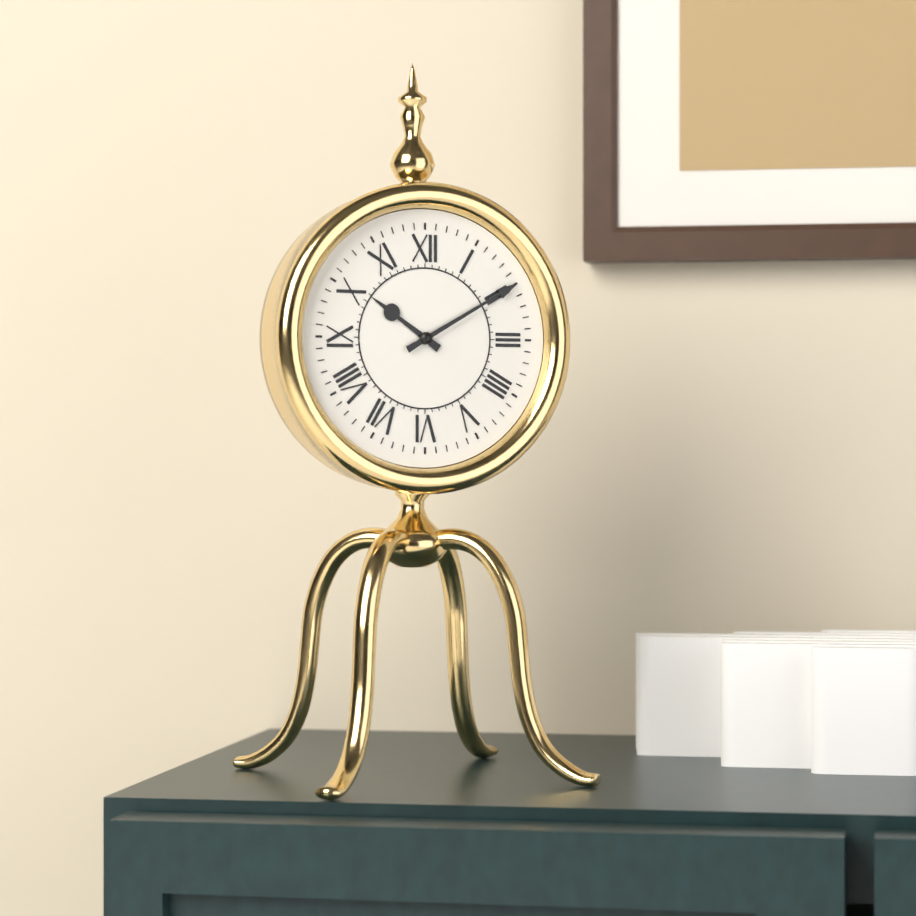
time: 10:10
